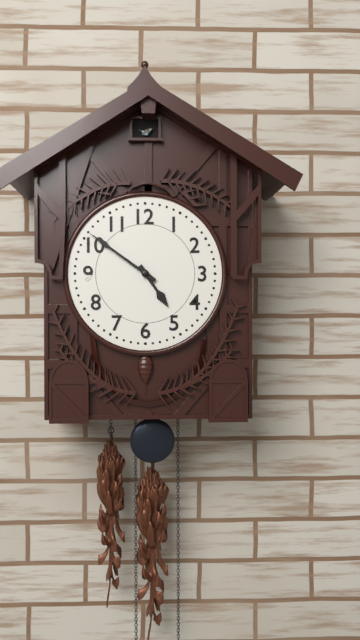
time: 4:51
